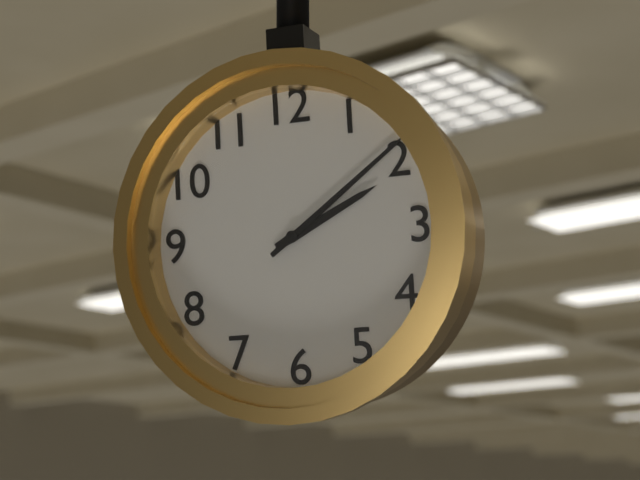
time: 2:09
